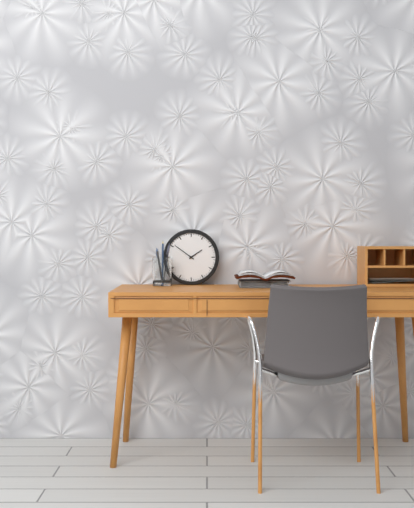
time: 1:51
